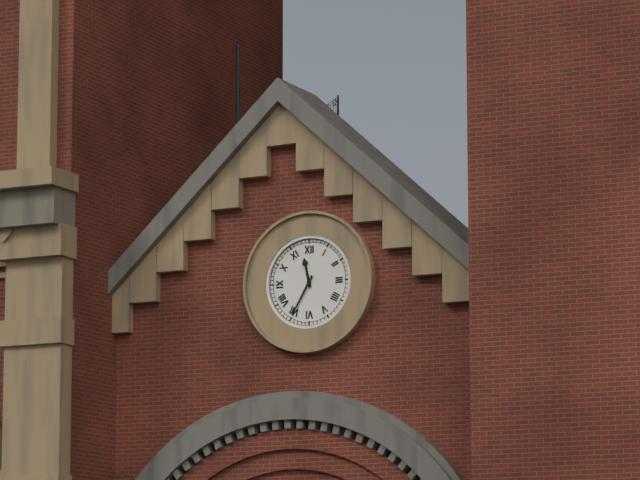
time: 11:35
